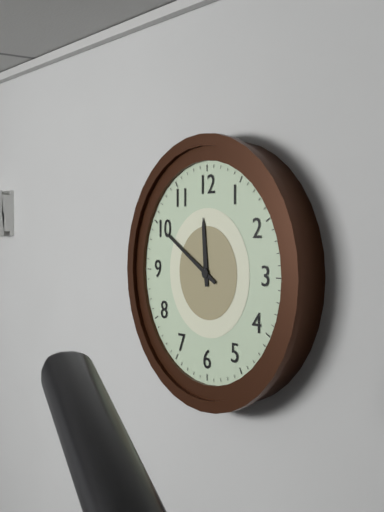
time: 11:50
